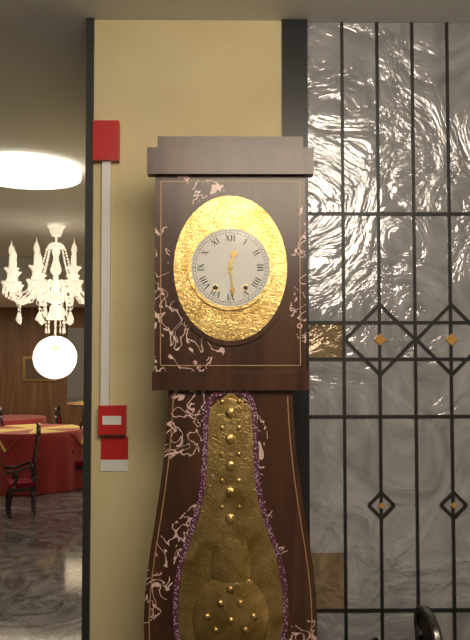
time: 12:29
